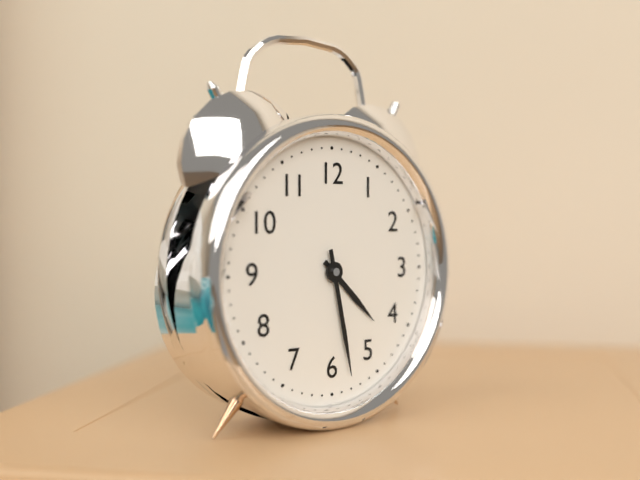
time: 4:28
